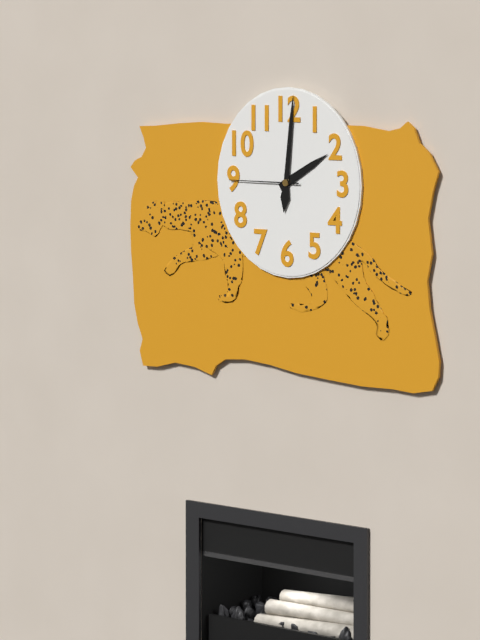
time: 2:01:45
